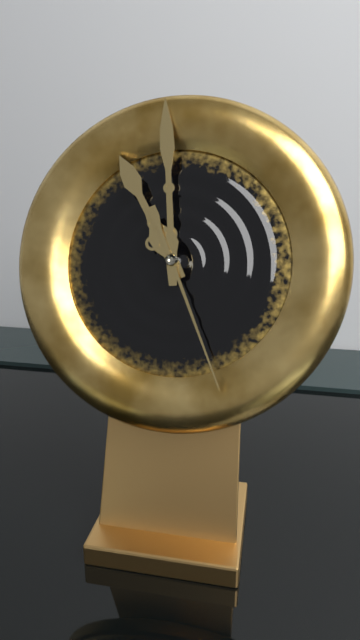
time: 10:59:26
